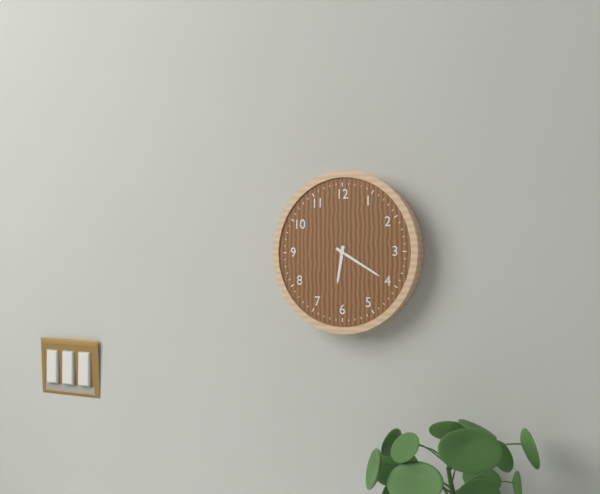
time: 6:20
